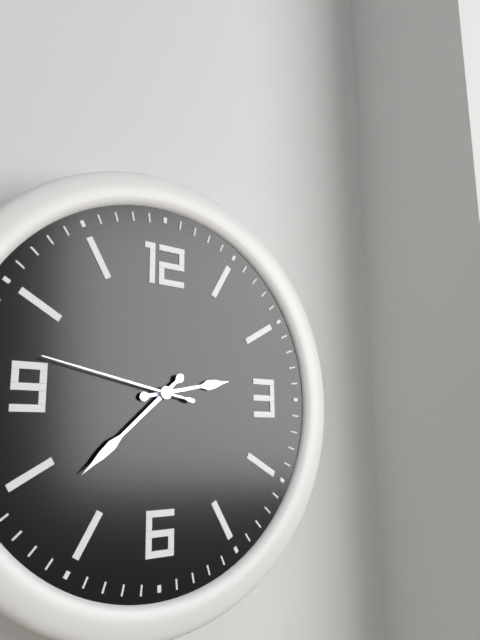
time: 2:38:47
